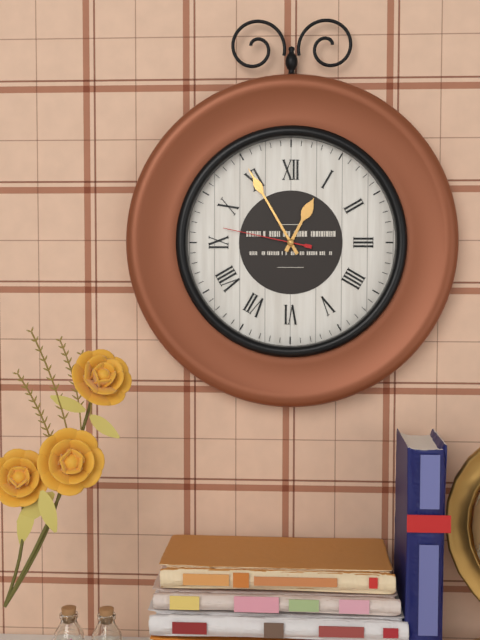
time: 12:55:47
